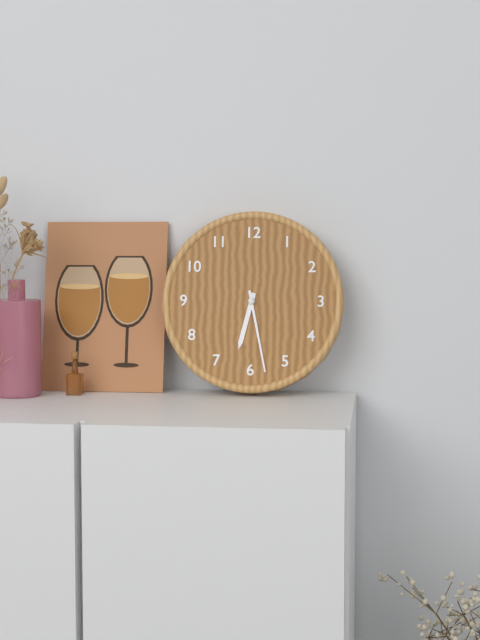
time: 6:28
